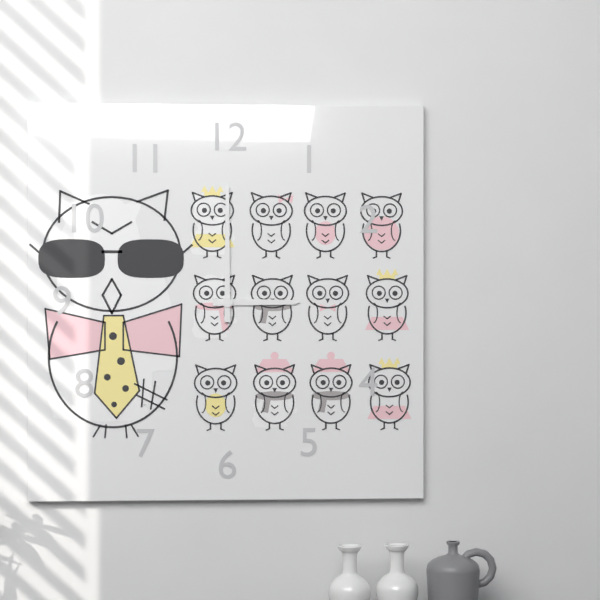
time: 3:00
